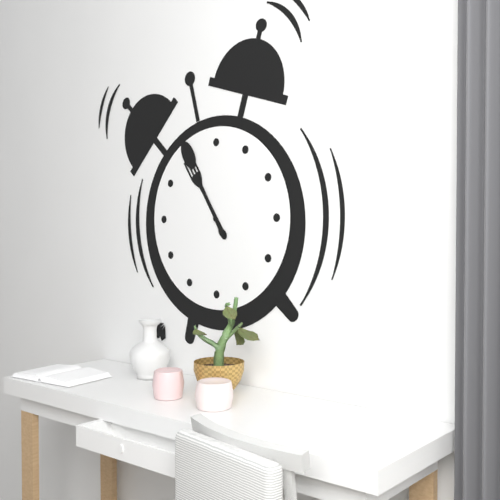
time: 10:55
